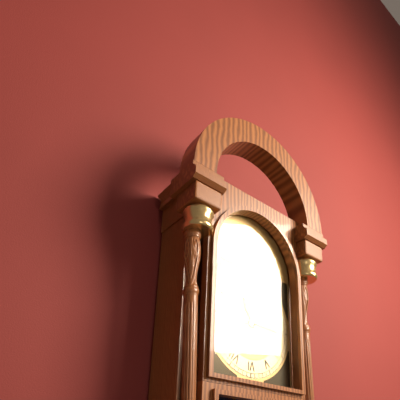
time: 11:15
